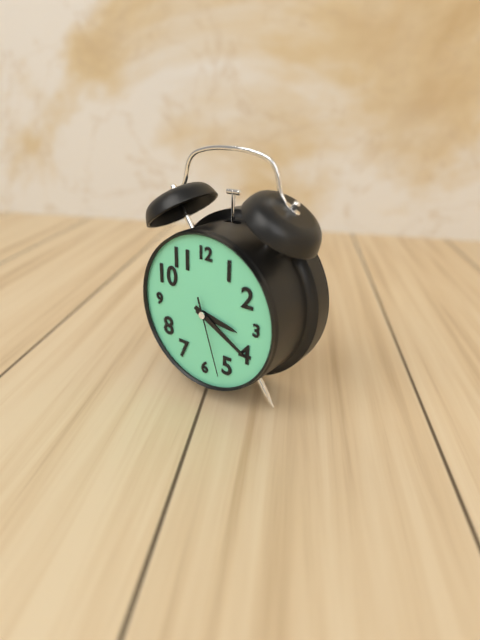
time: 3:20:27
